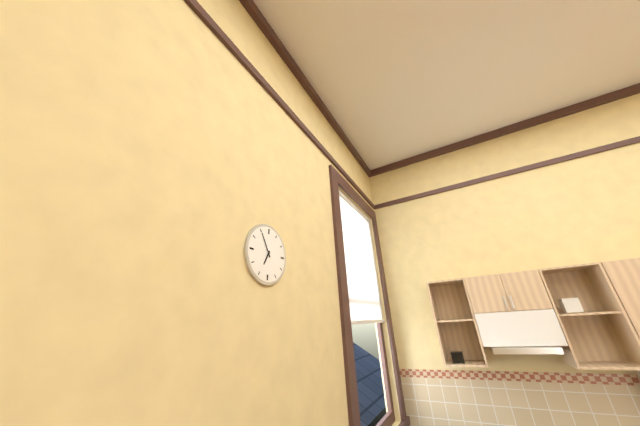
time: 6:55
